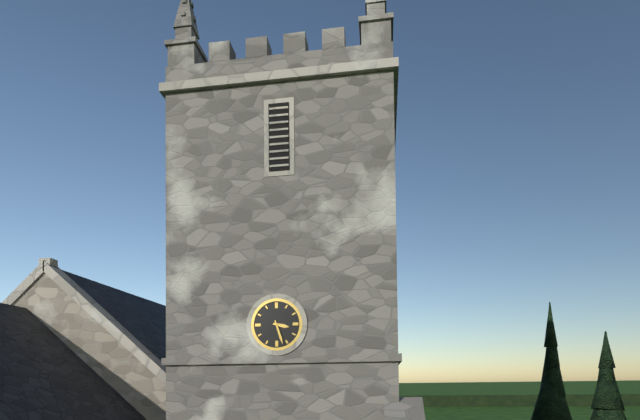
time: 3:27
